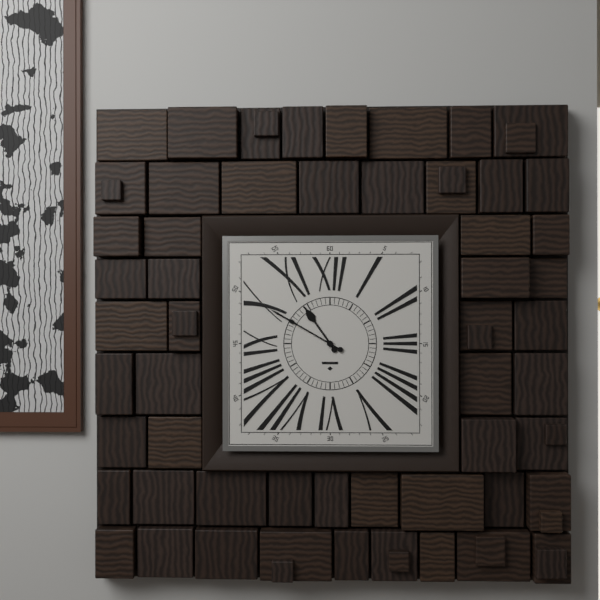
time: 10:50
